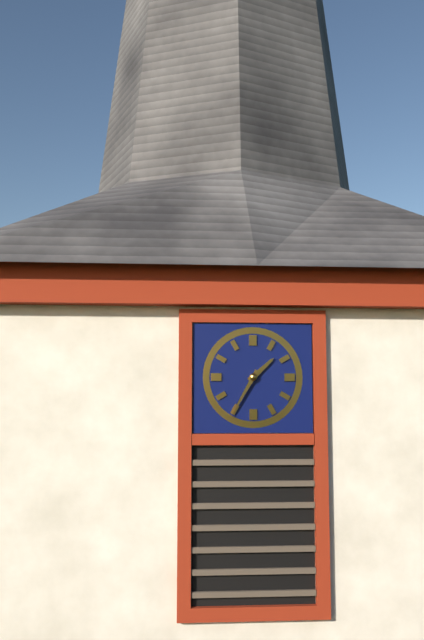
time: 1:35
